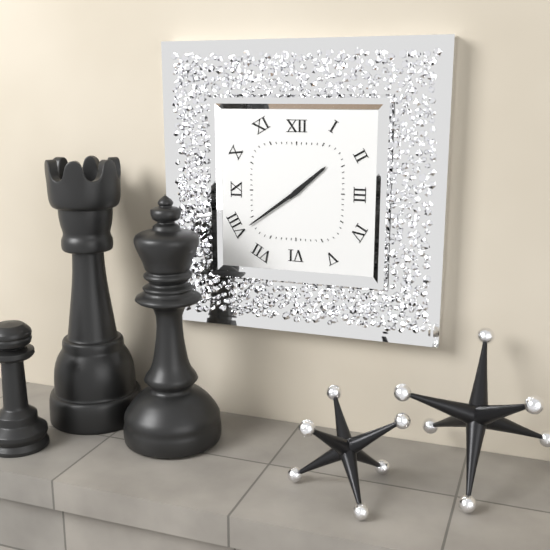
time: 1:39
